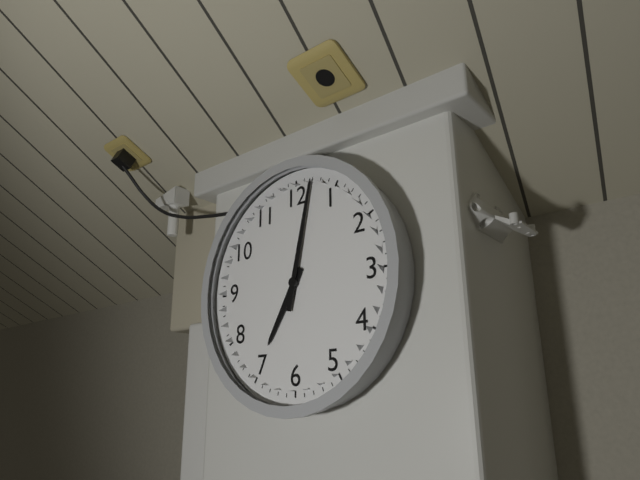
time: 7:02
